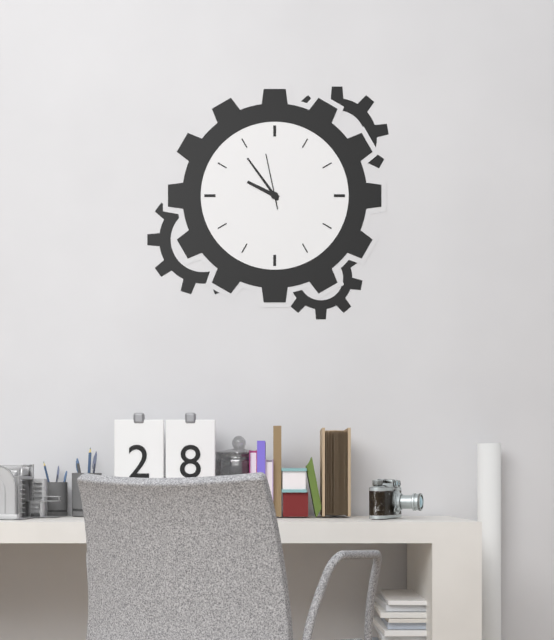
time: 9:54:58
